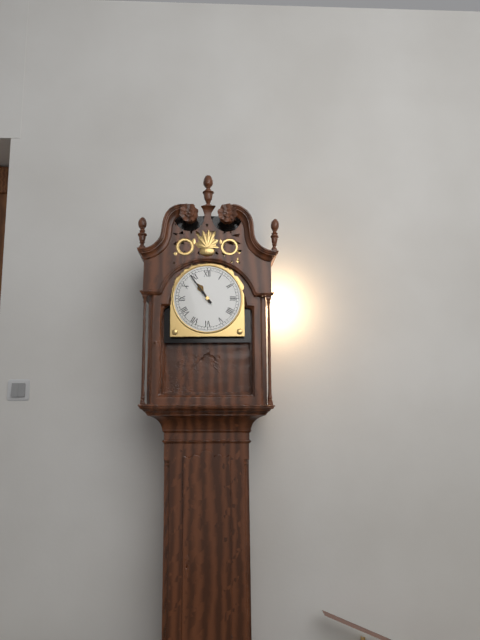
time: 10:54
